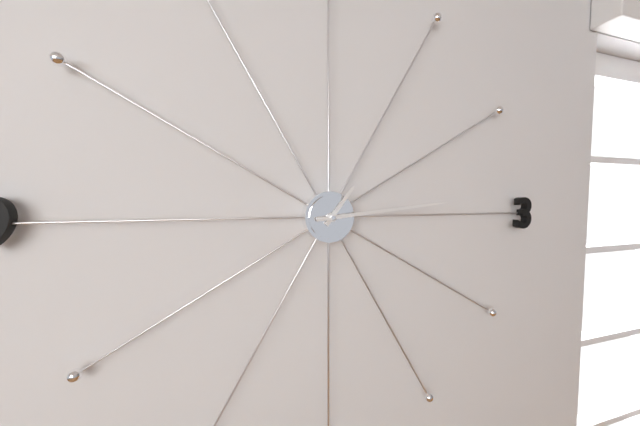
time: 1:14
